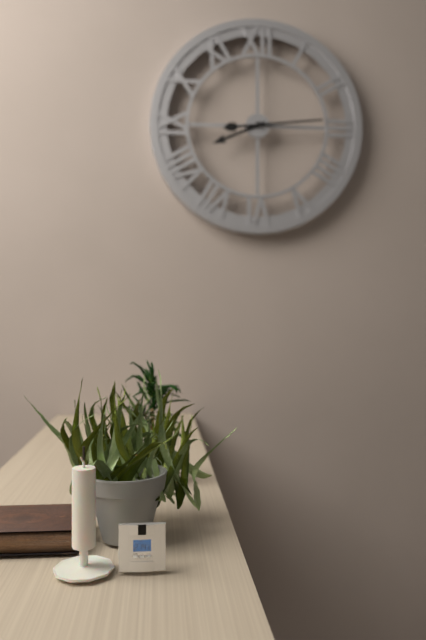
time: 8:14
